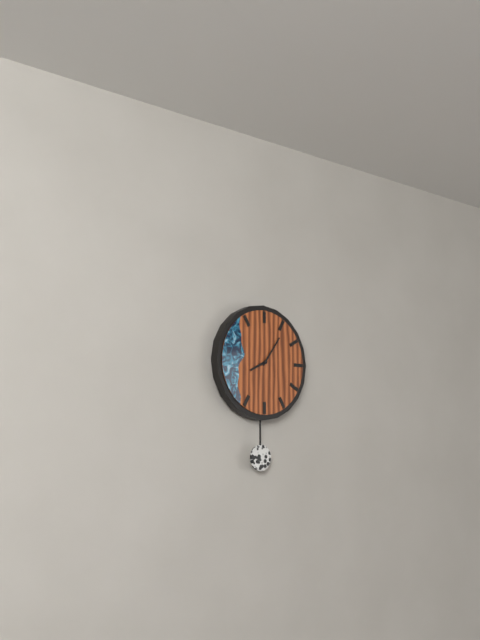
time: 8:06
